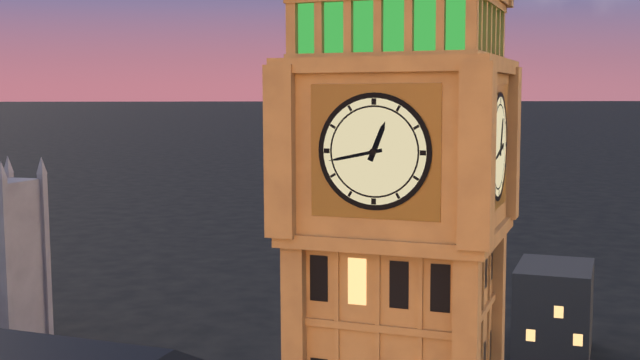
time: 12:43
